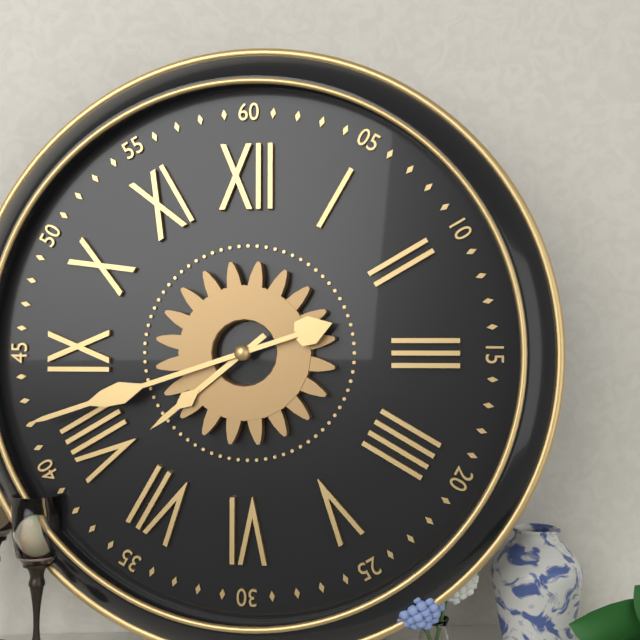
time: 7:42
